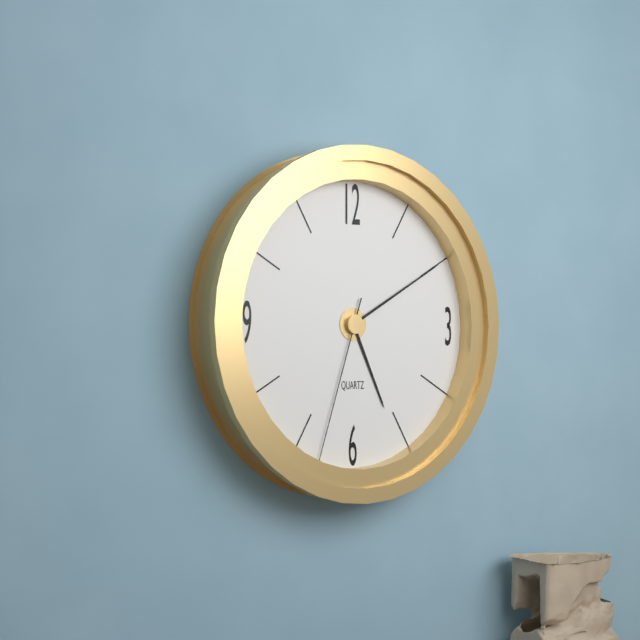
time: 5:10:33
